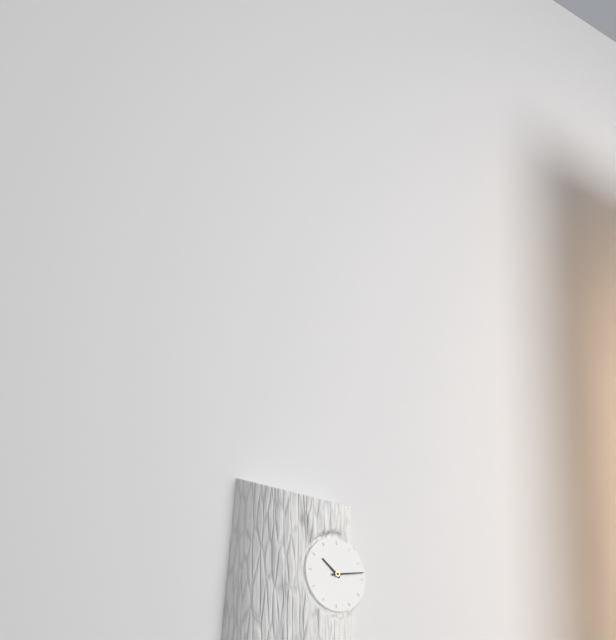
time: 10:13
